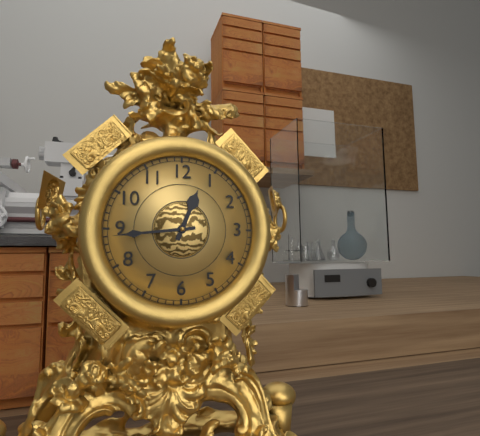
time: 12:44
